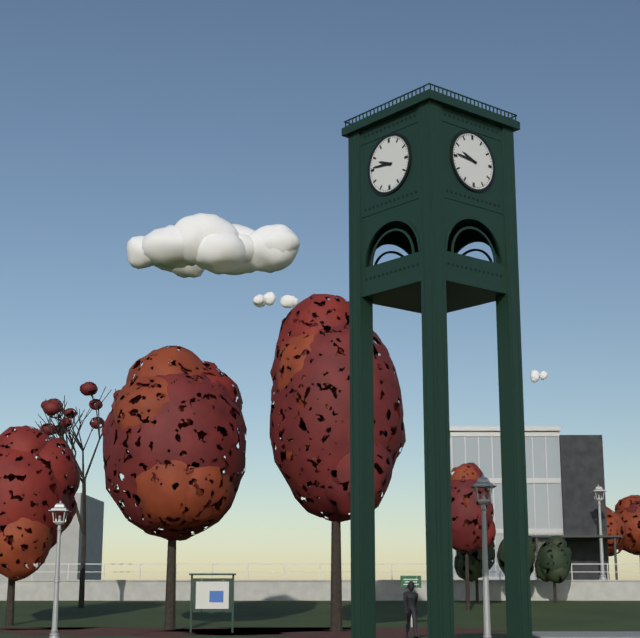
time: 9:46
